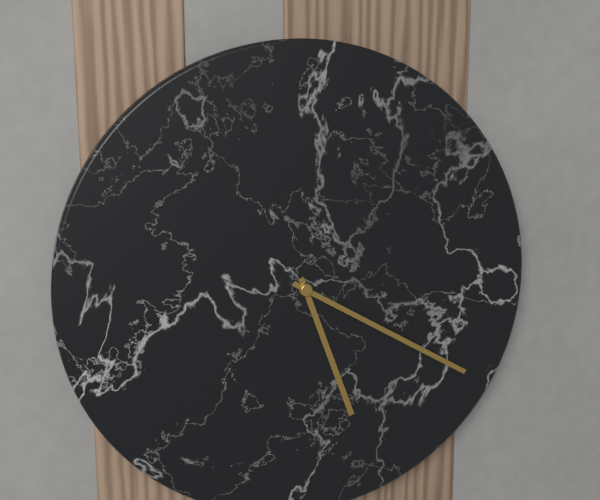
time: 5:20
